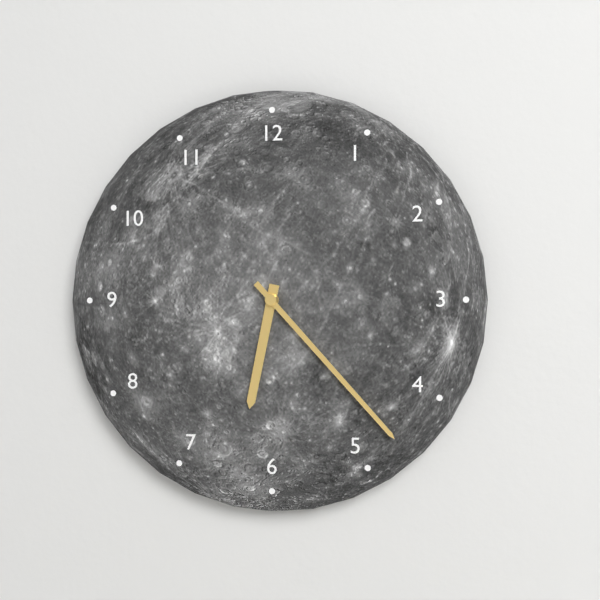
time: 6:23
